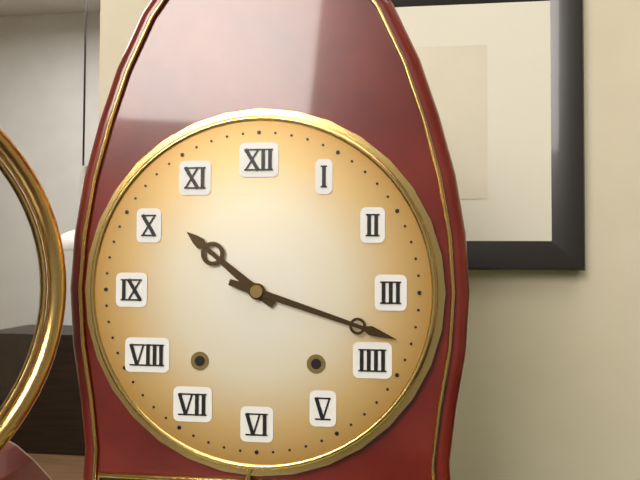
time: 10:18
